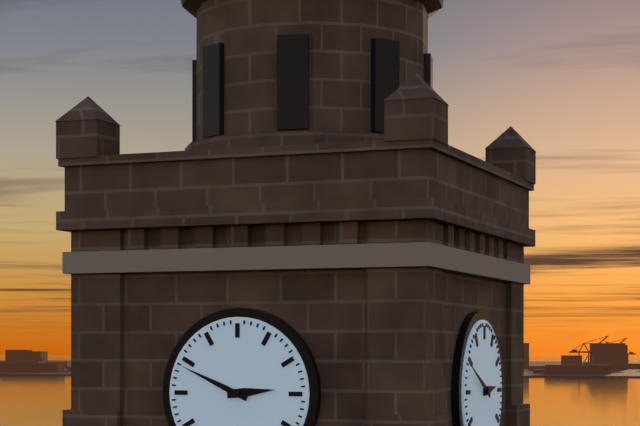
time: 2:49
